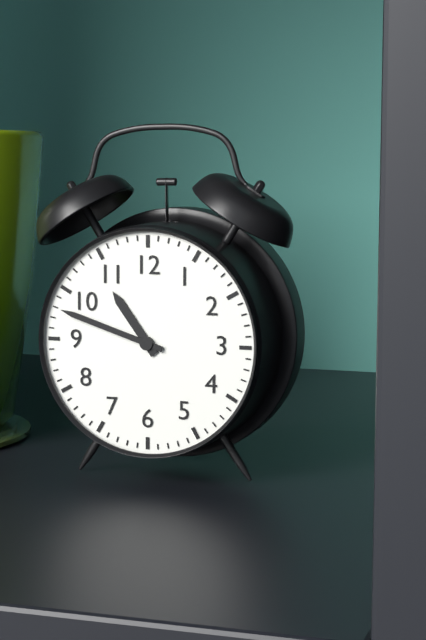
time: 10:48
